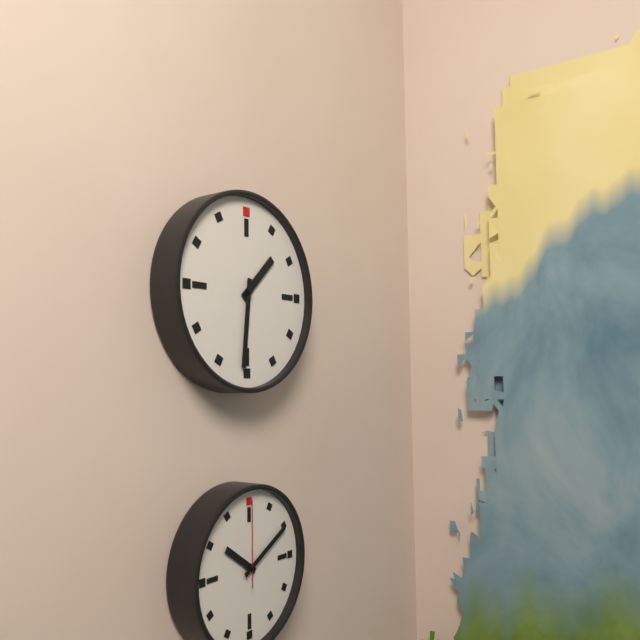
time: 1:31
